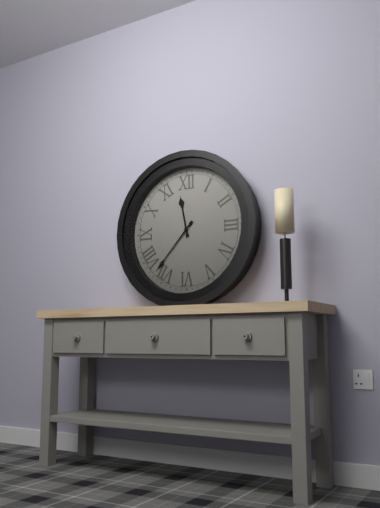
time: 11:37
